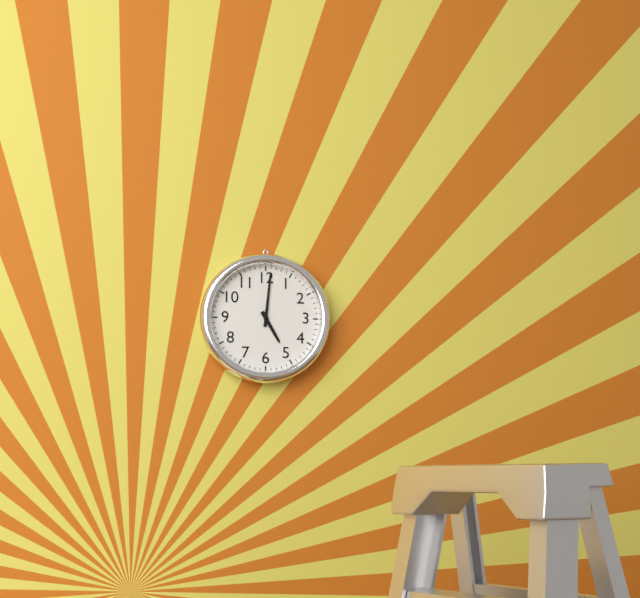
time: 5:01
